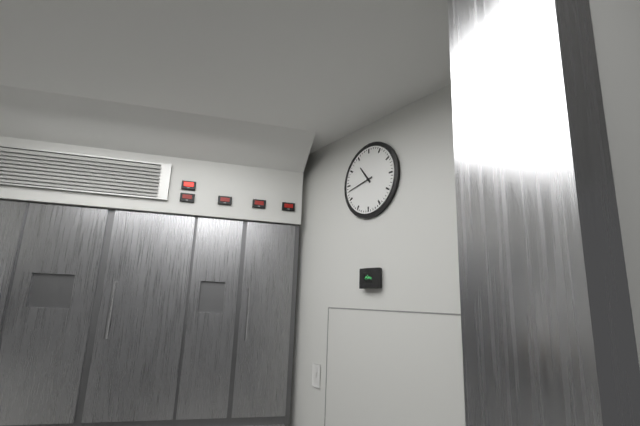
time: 10:43
